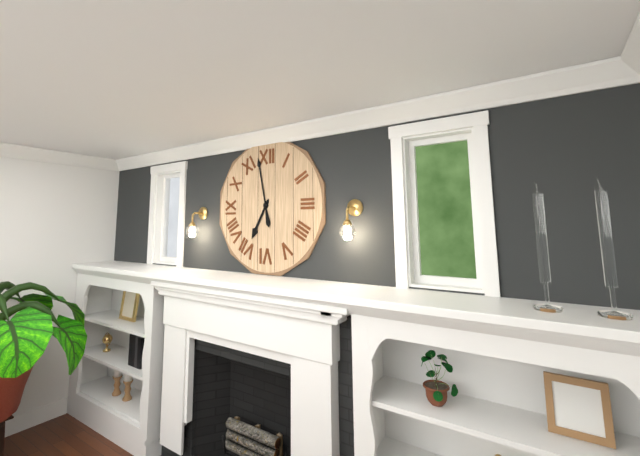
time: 6:58
